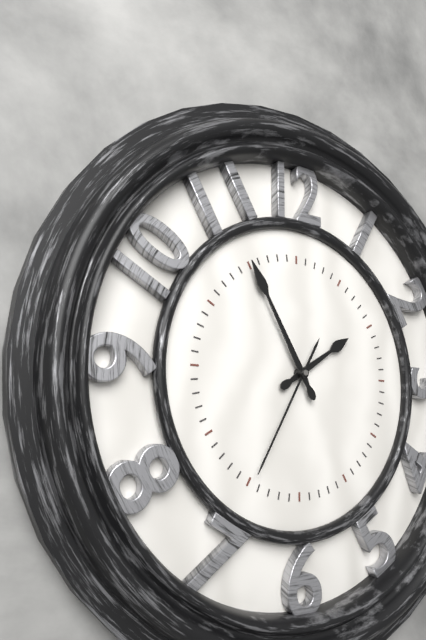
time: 1:55:35
